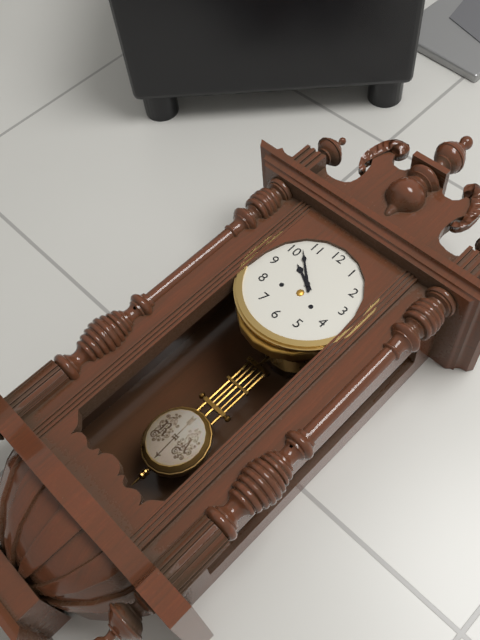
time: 9:52
